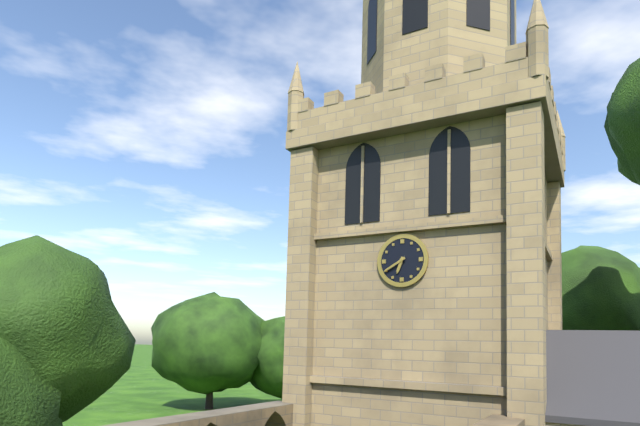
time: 6:40
